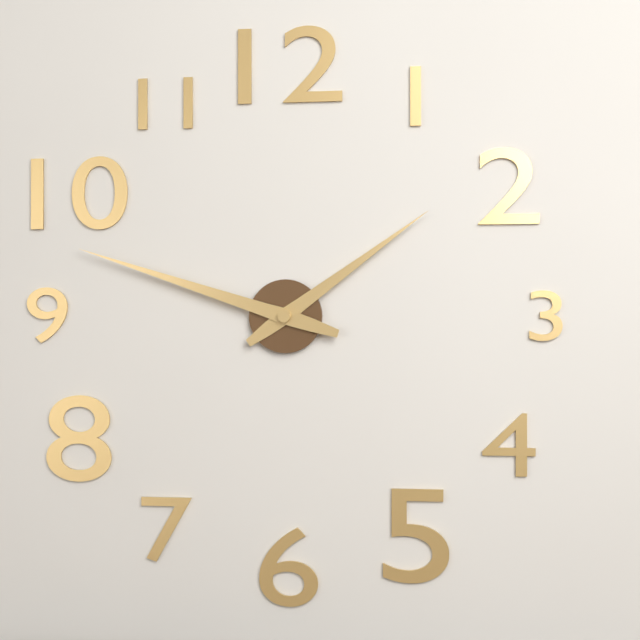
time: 1:48
